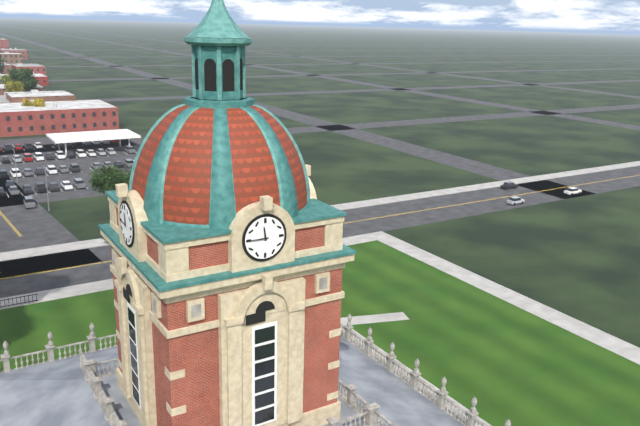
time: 11:45
